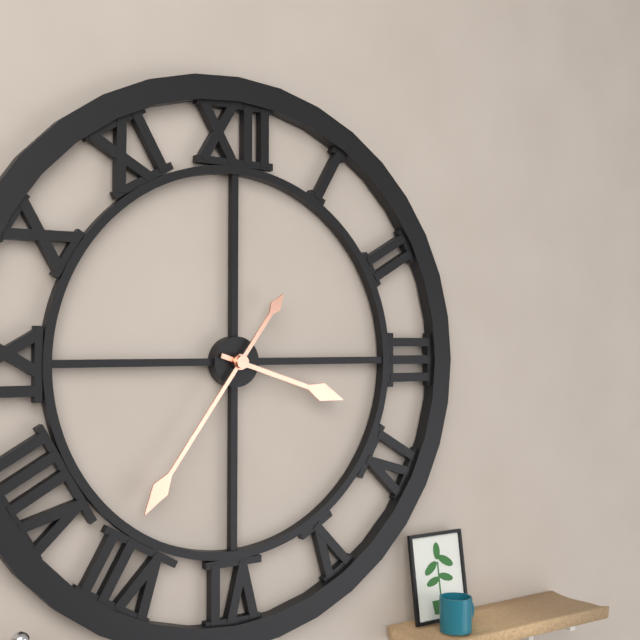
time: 3:36
